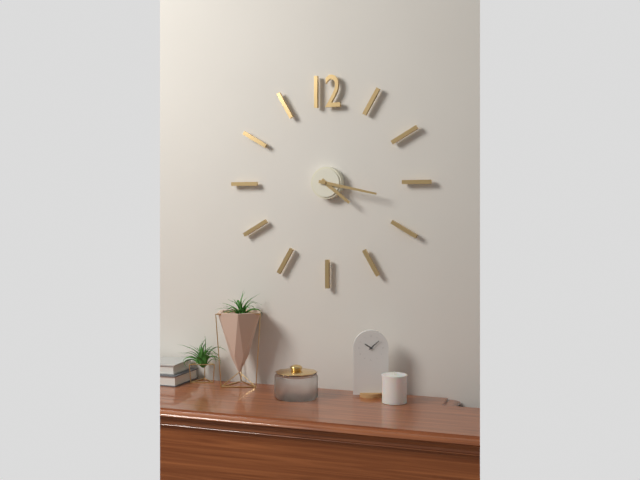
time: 4:17
